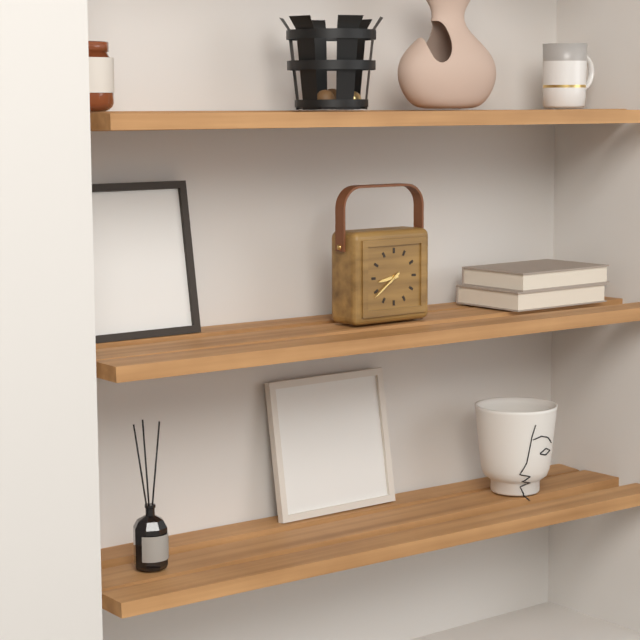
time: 8:39
